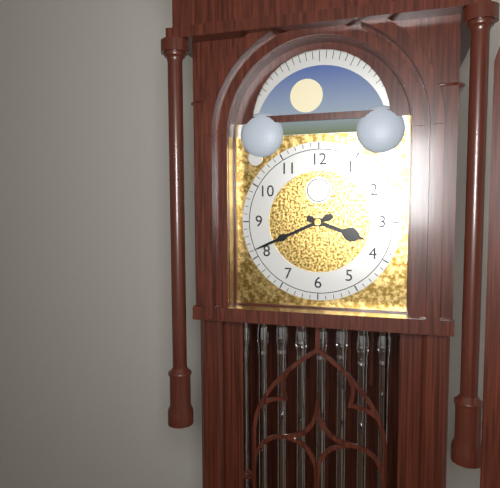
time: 3:41
